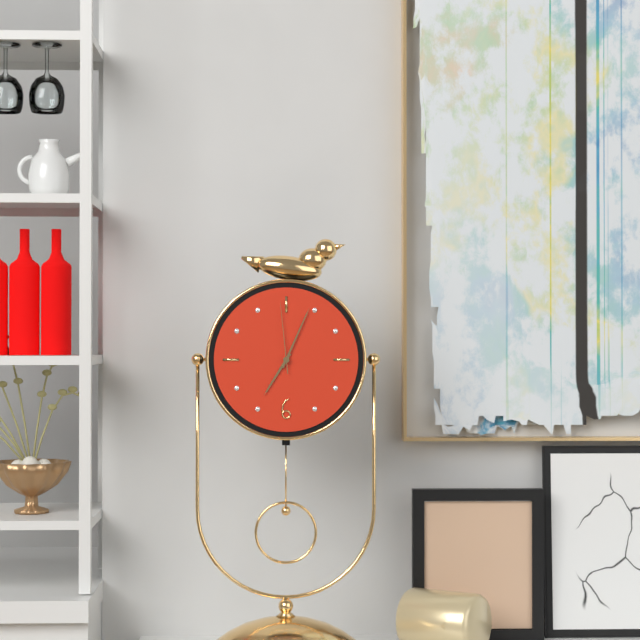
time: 7:04:59
